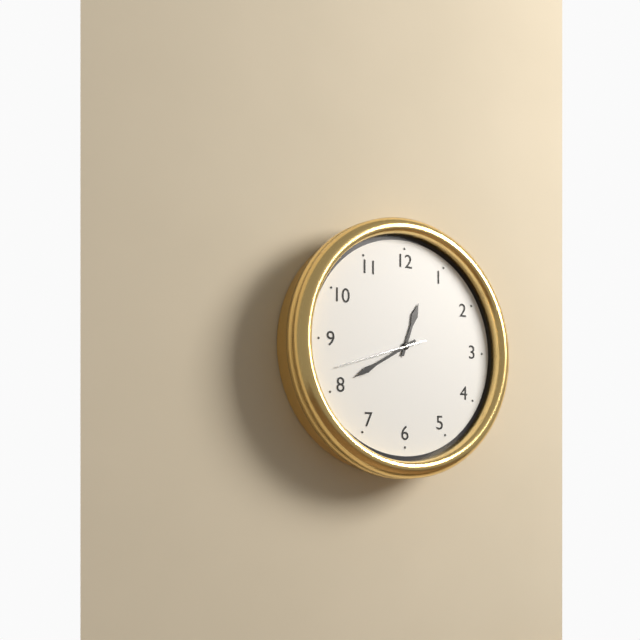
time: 12:40:42
